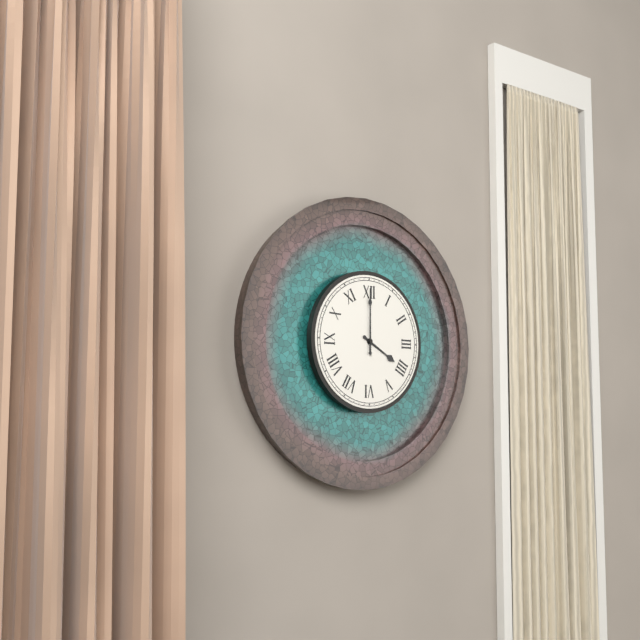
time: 4:00
